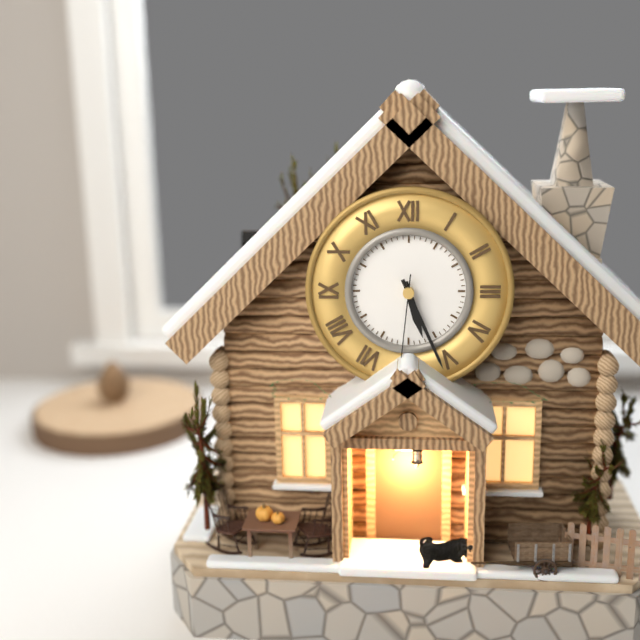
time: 5:26:31
